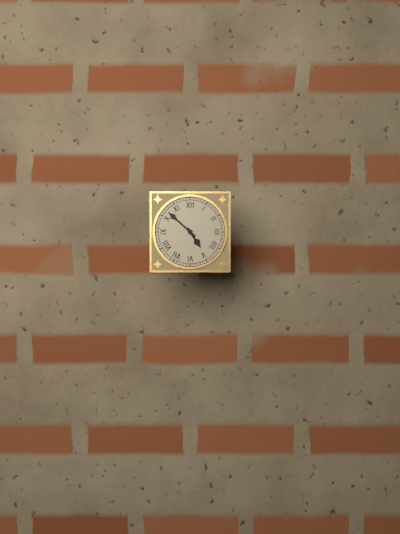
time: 4:52
